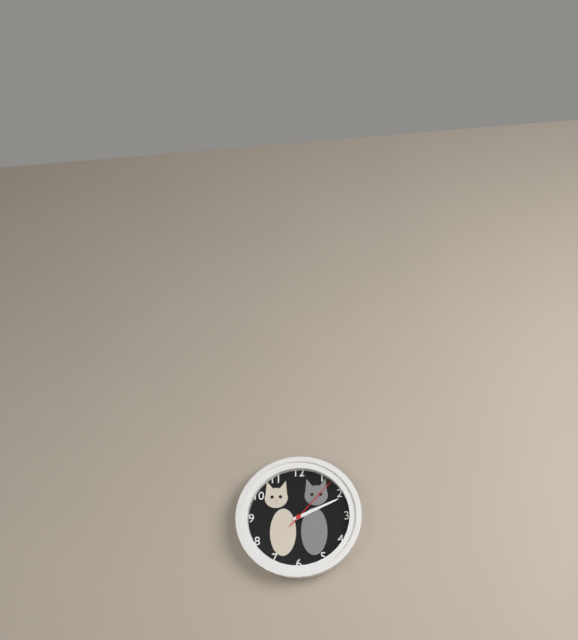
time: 2:11:07
